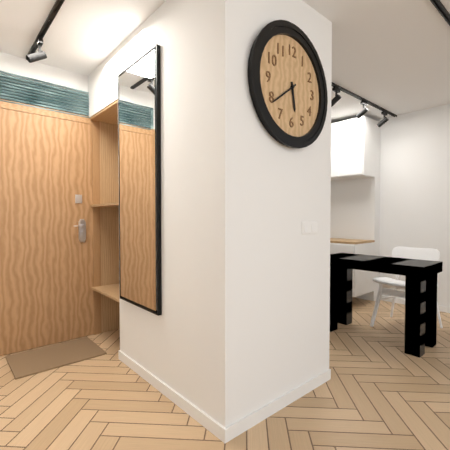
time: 5:39
